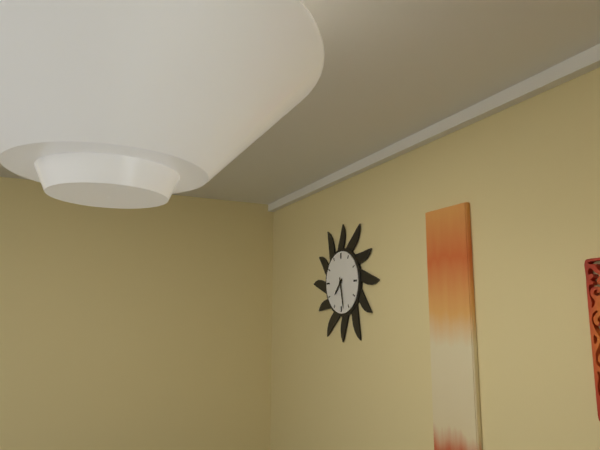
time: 7:28
